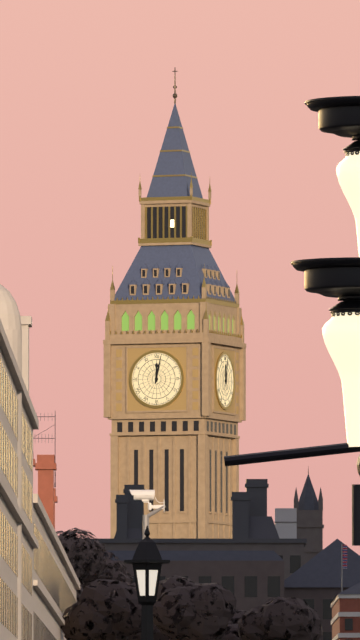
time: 12:02
